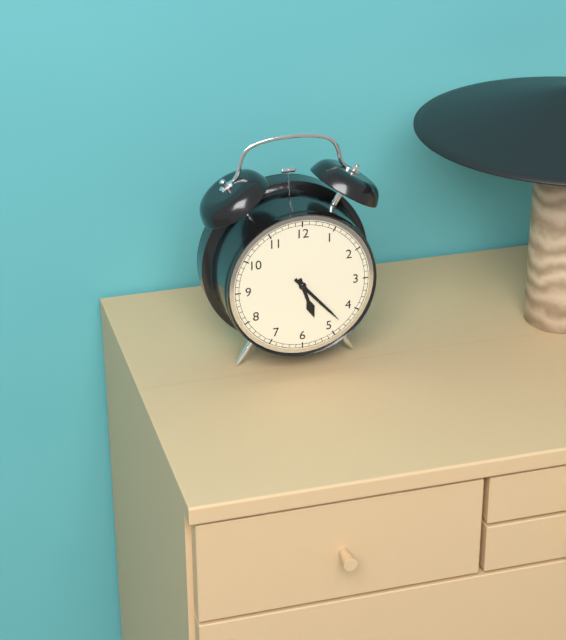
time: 5:23
